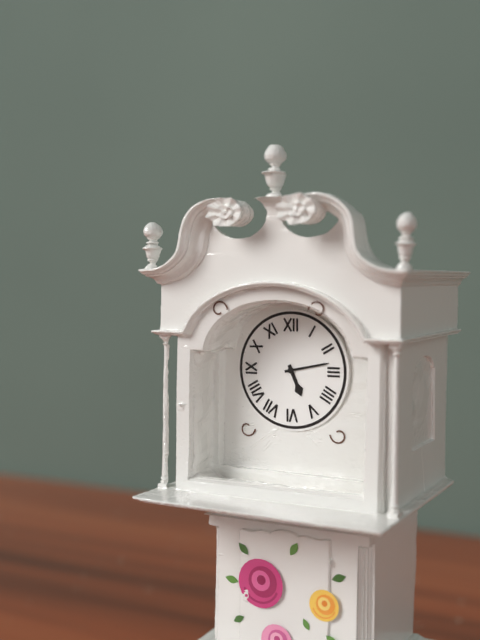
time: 5:13
